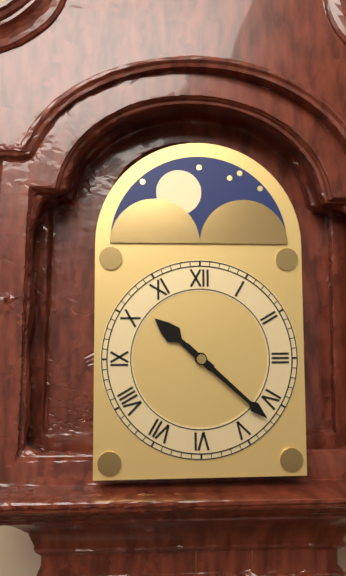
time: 10:22
